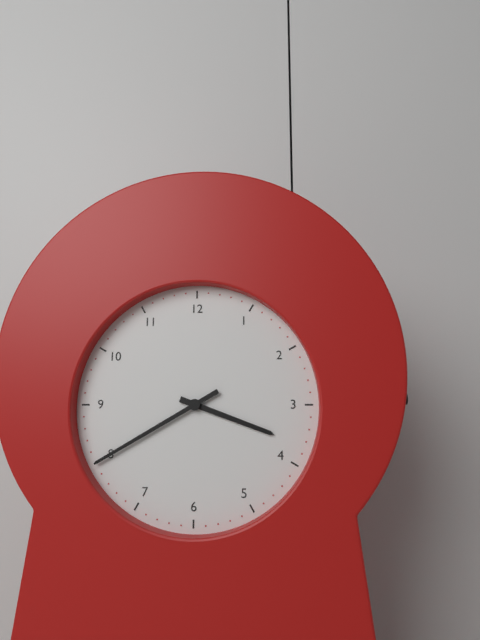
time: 3:40
